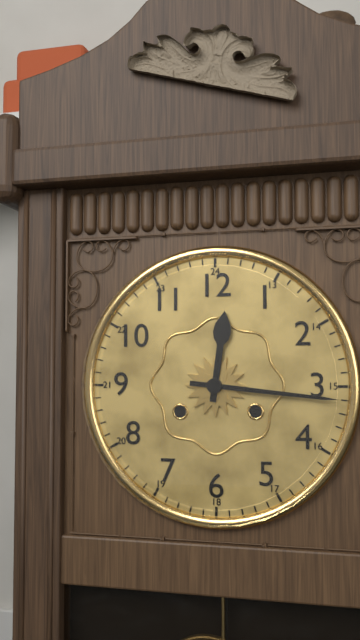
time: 12:16
